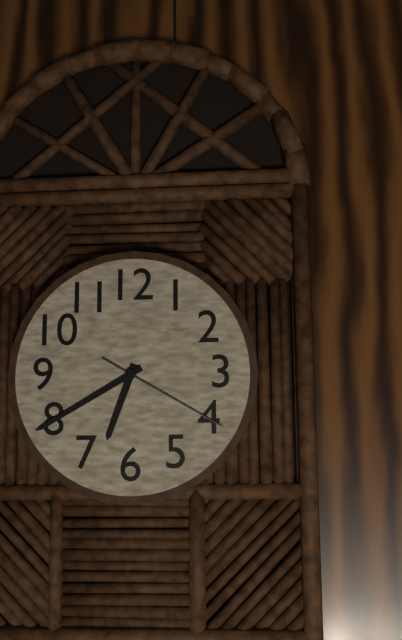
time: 6:40:20
